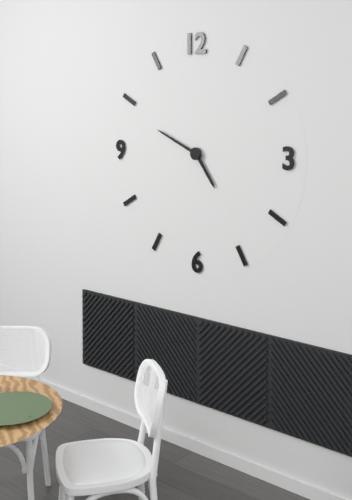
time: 4:49
